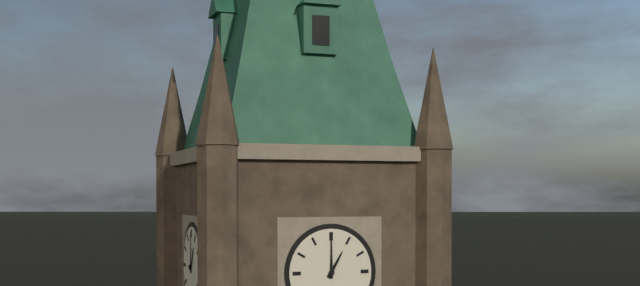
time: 1:00
